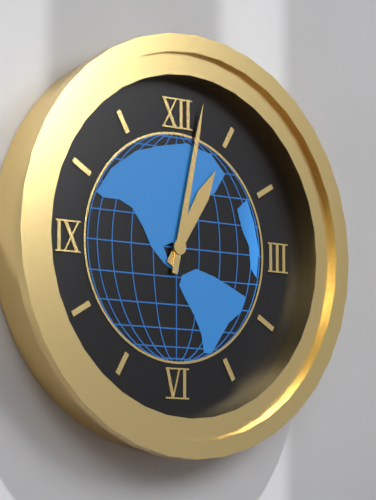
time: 1:02
